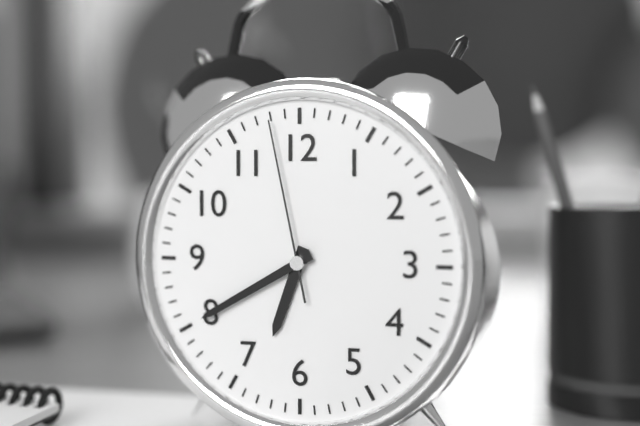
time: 6:40:58
